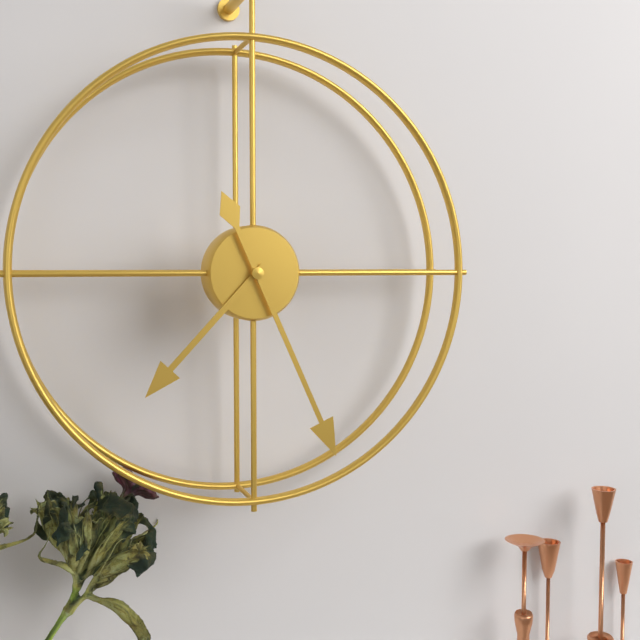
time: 7:26
